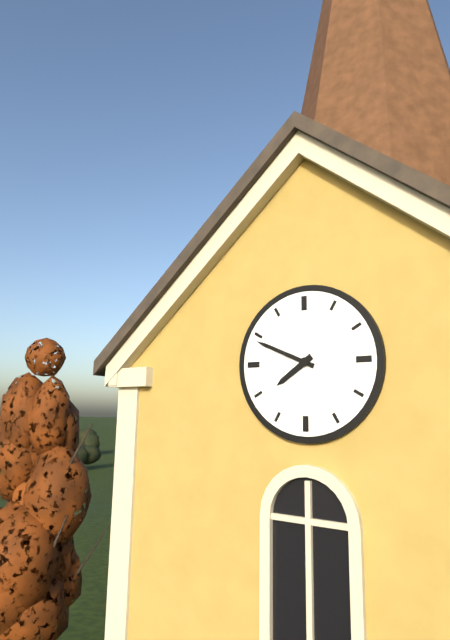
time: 7:49
